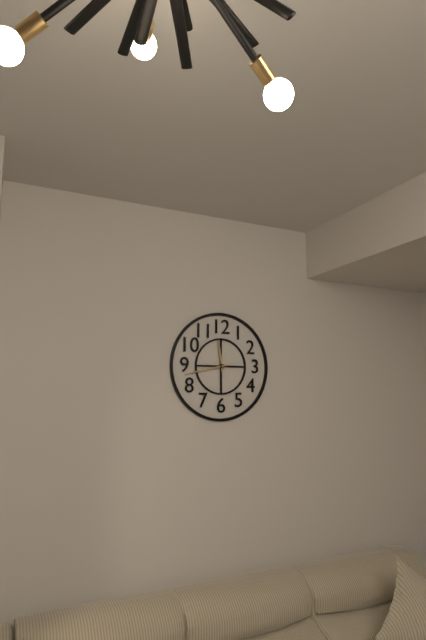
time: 11:43
